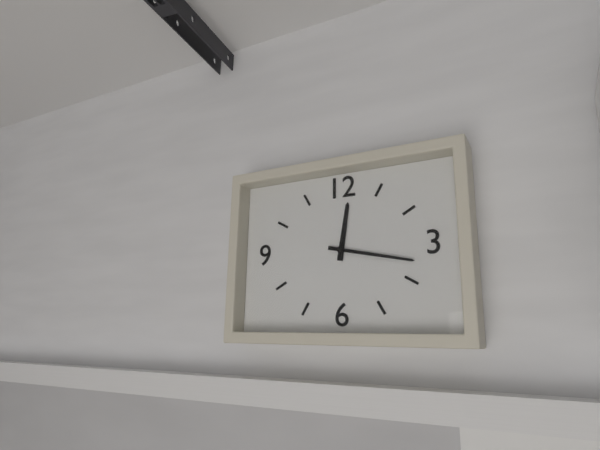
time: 12:17
